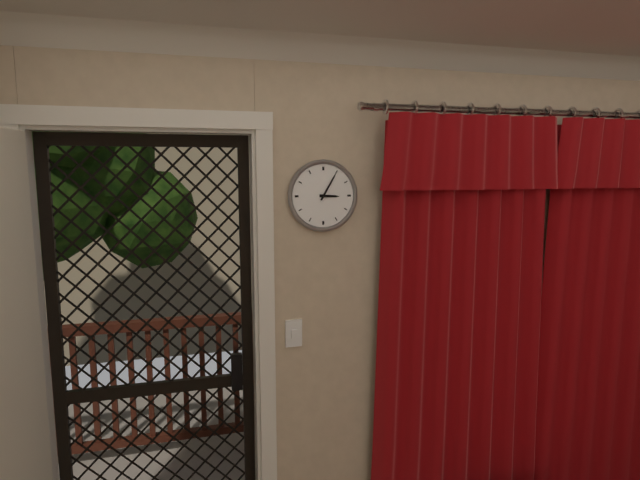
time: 3:05
